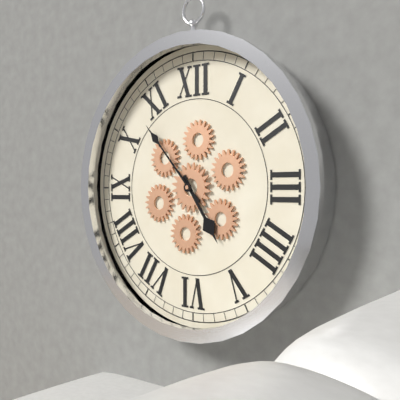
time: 4:53
